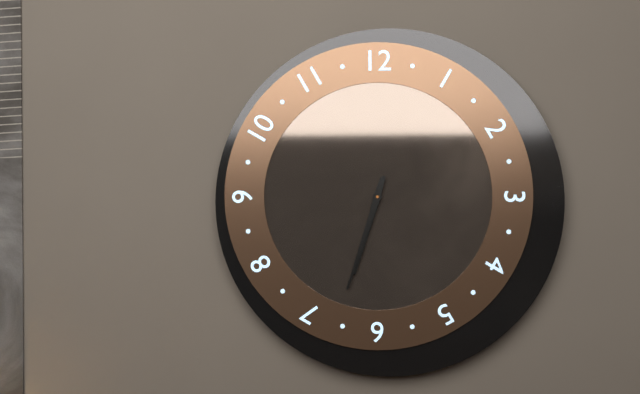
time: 6:33
